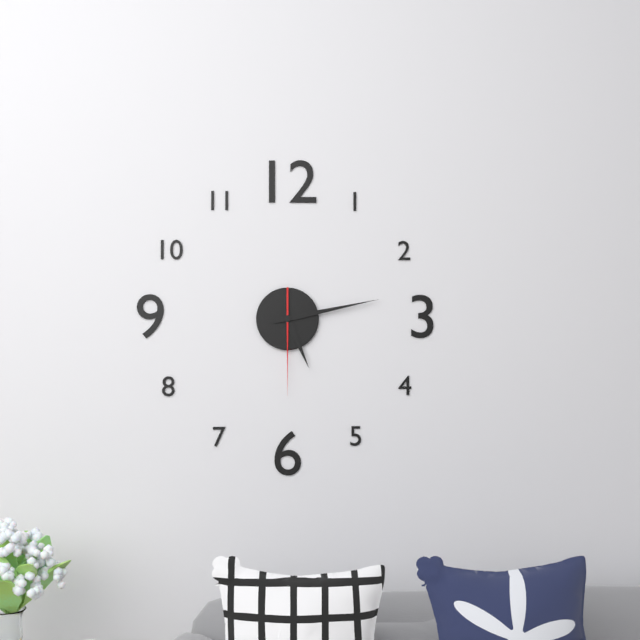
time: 5:13:30
